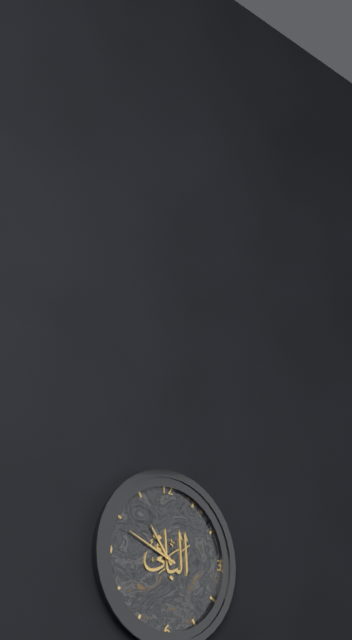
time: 10:49
